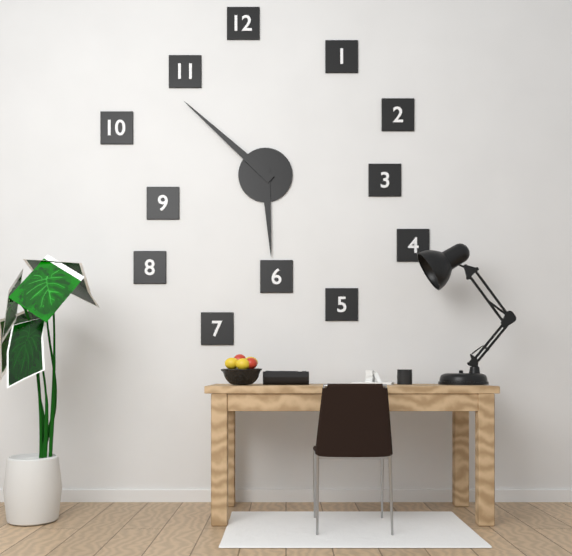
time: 5:52
